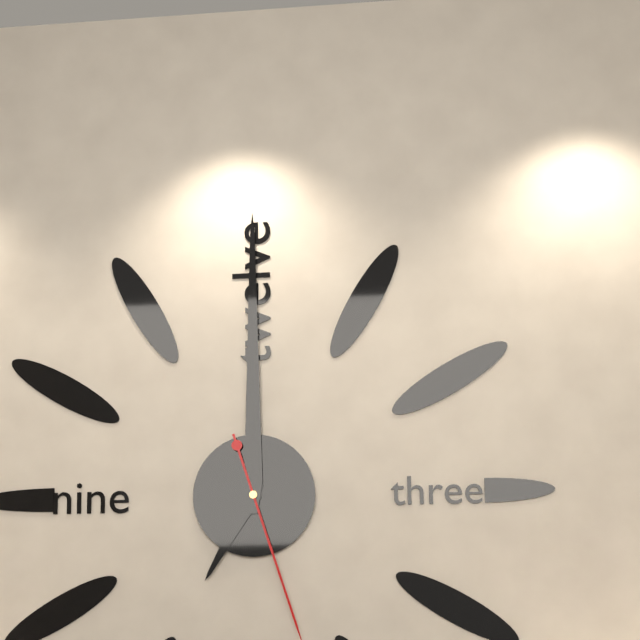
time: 7:00
